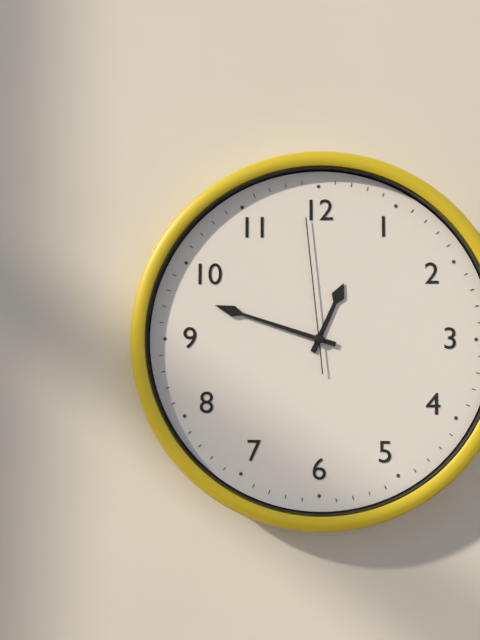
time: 12:48:59
